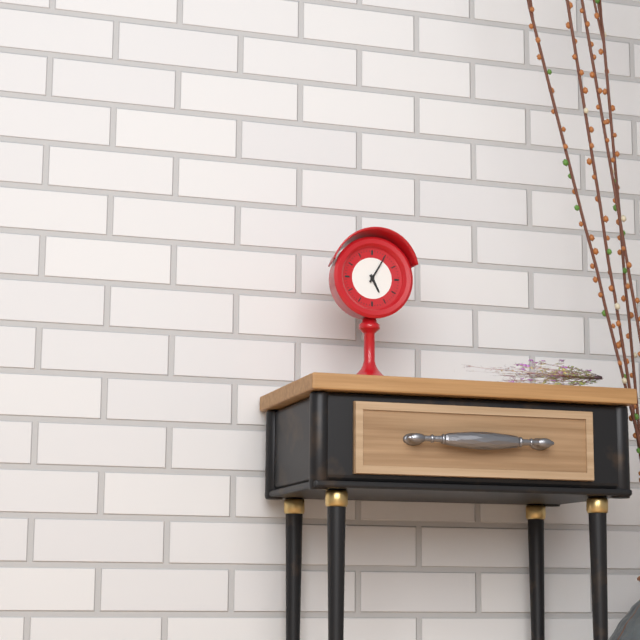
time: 5:05
